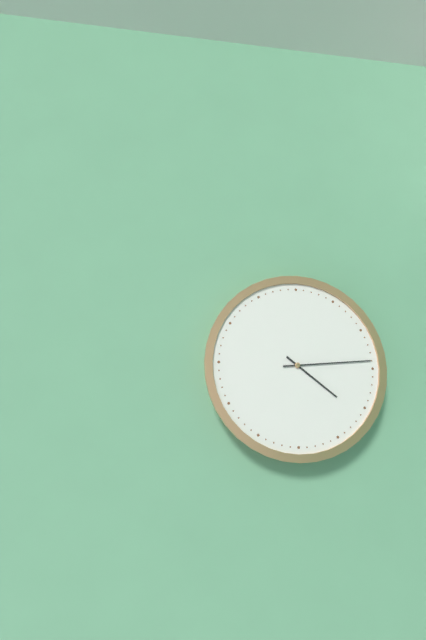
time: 4:14
